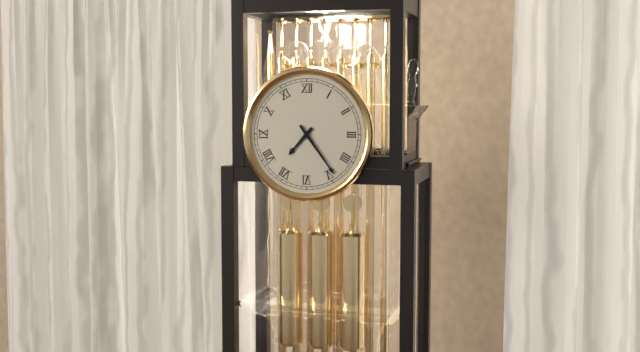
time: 7:24
